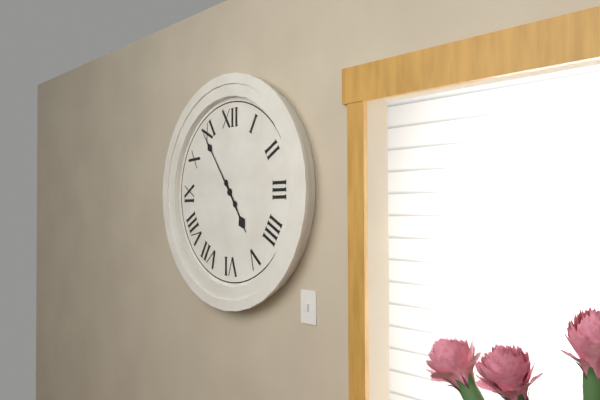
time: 4:54
